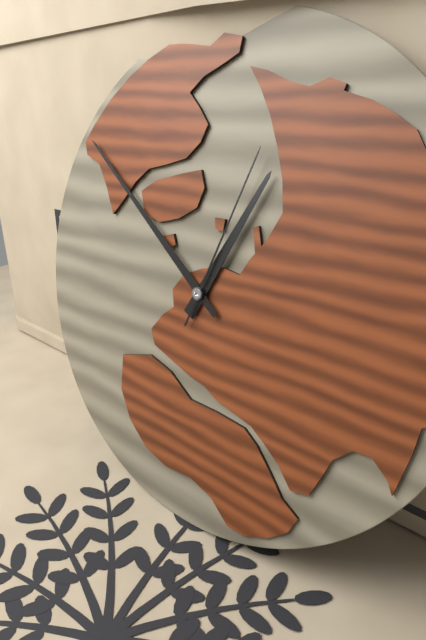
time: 12:51:03
